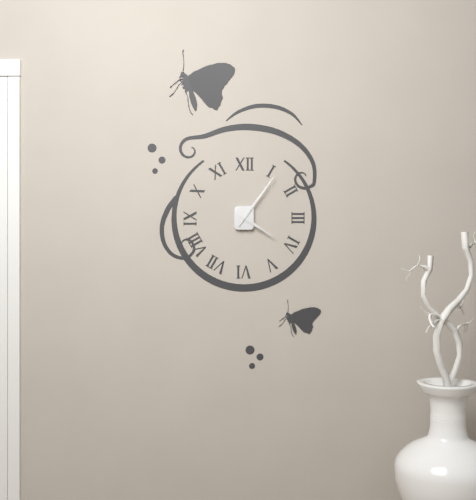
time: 4:06
